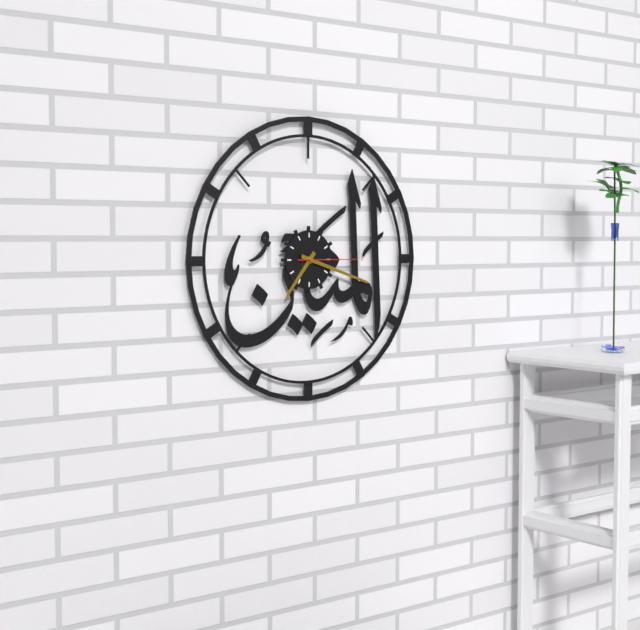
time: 7:18:15
